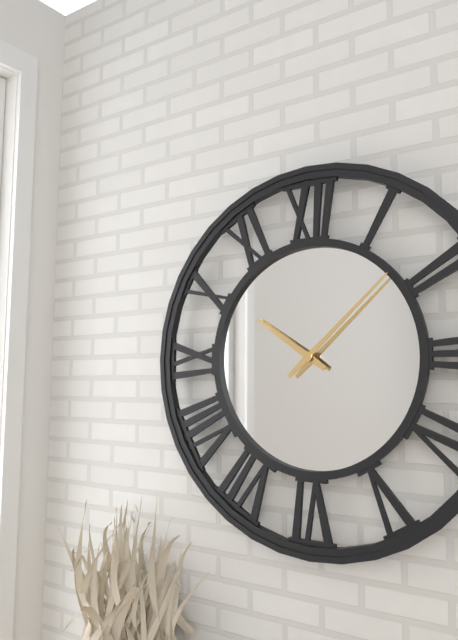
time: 10:08
